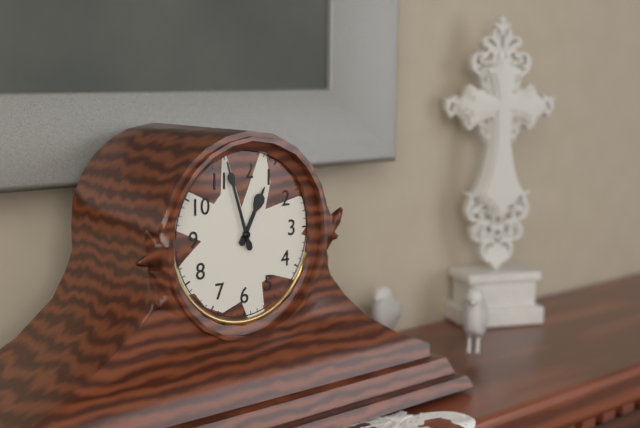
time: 12:57
